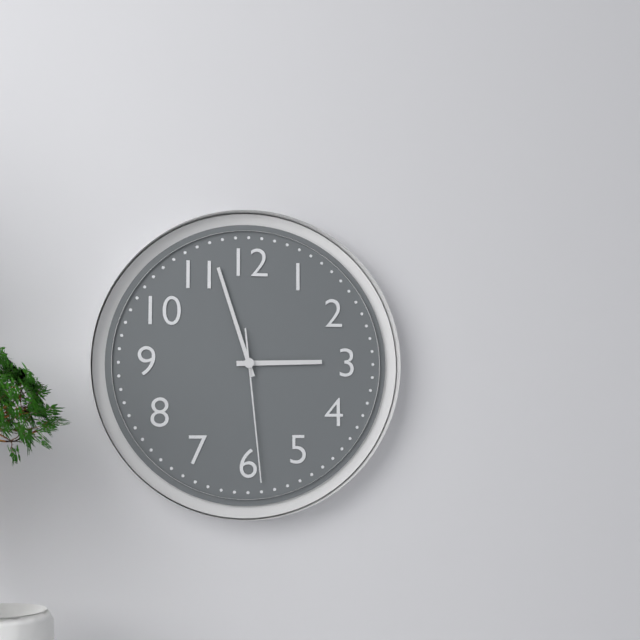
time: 2:57:29
